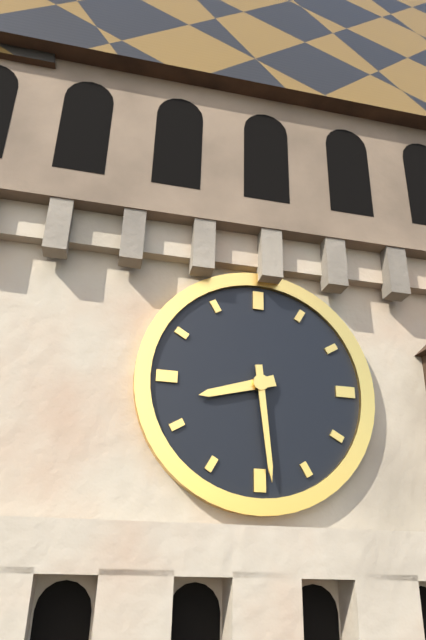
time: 8:29
